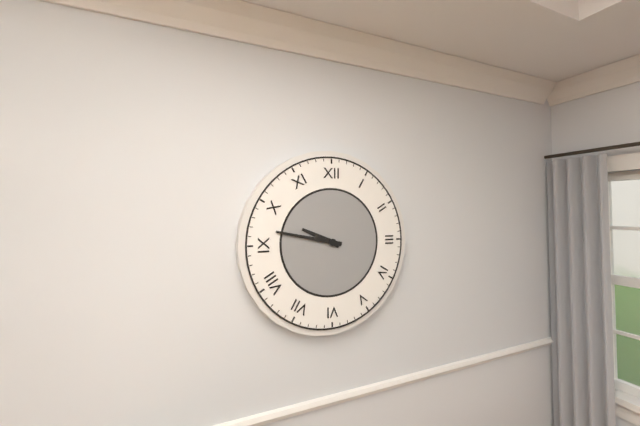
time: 9:47
